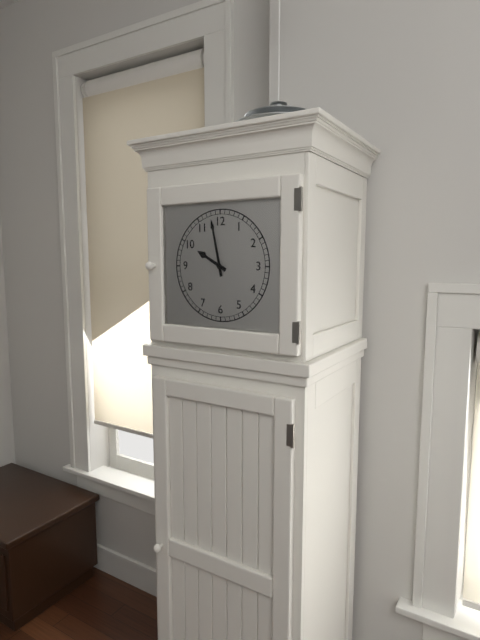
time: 9:58
